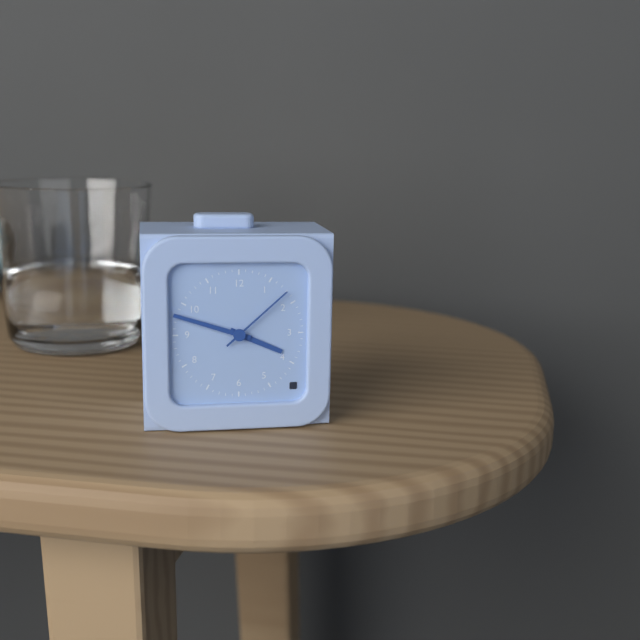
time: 3:48:08
